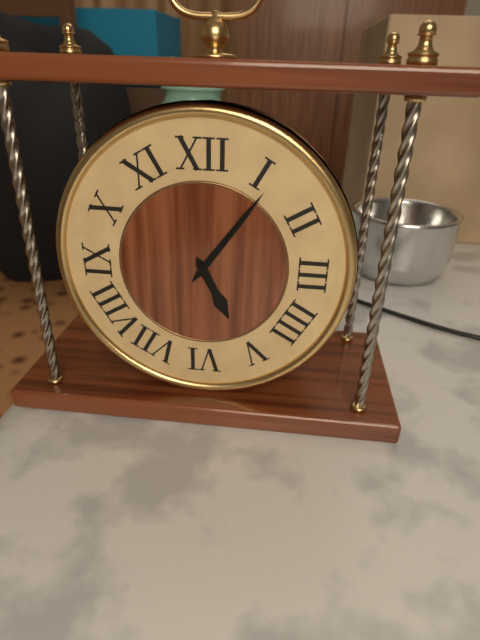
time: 5:06
